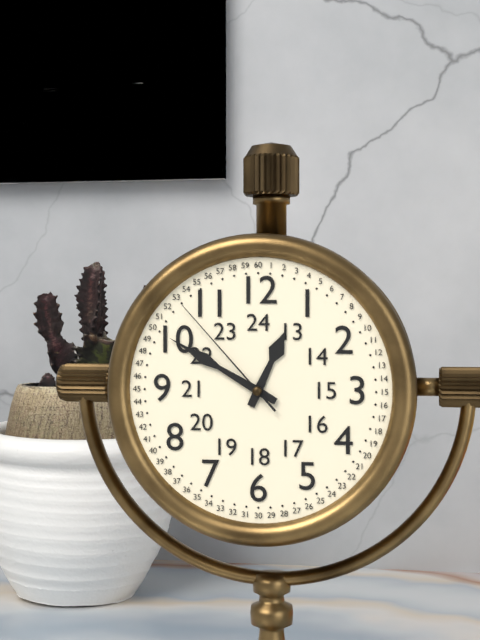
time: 12:50:53
